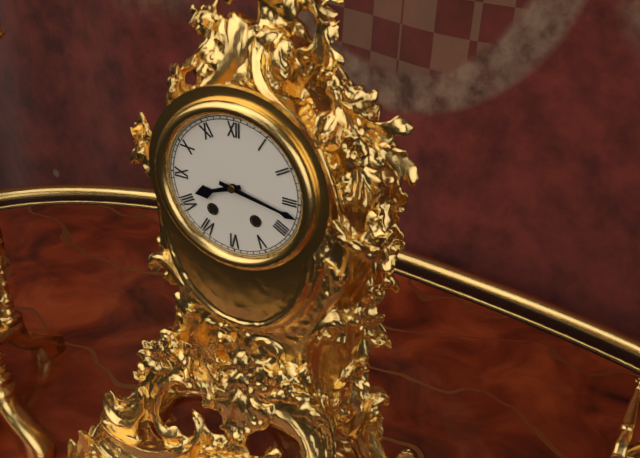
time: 8:17
